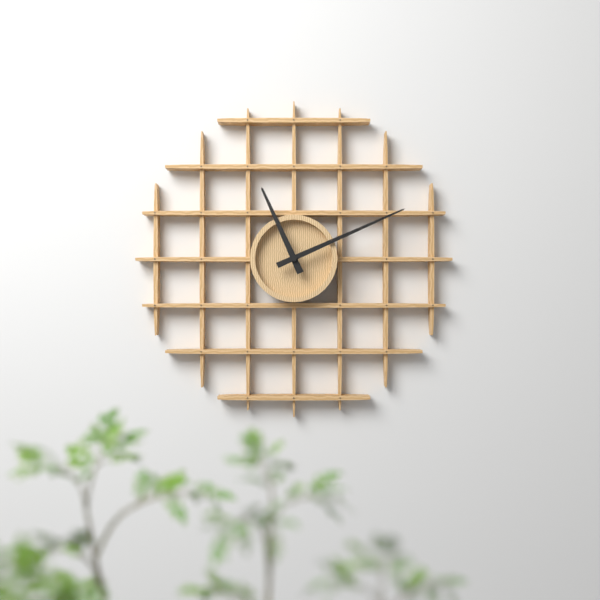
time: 11:11
